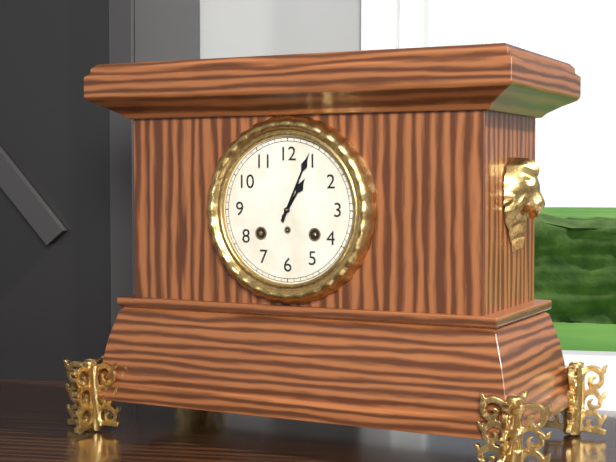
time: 1:04
